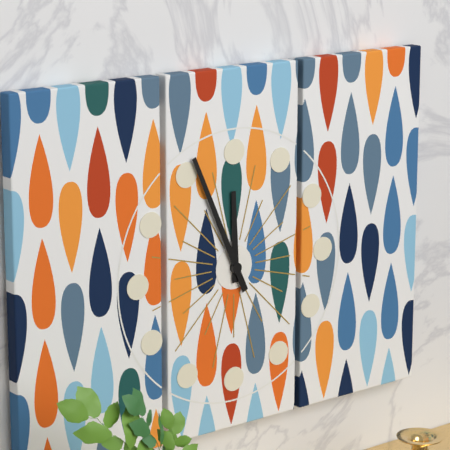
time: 11:56
